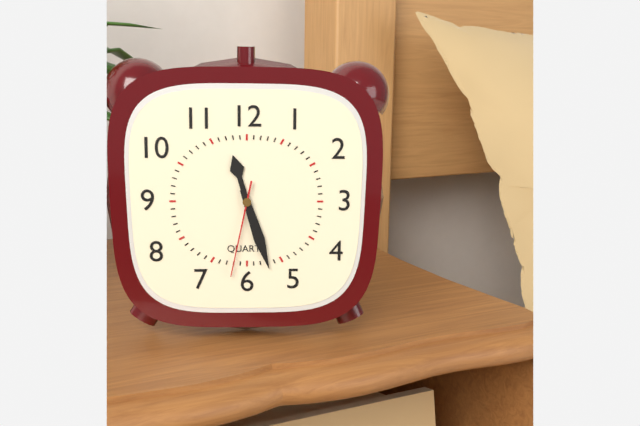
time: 11:27:32
